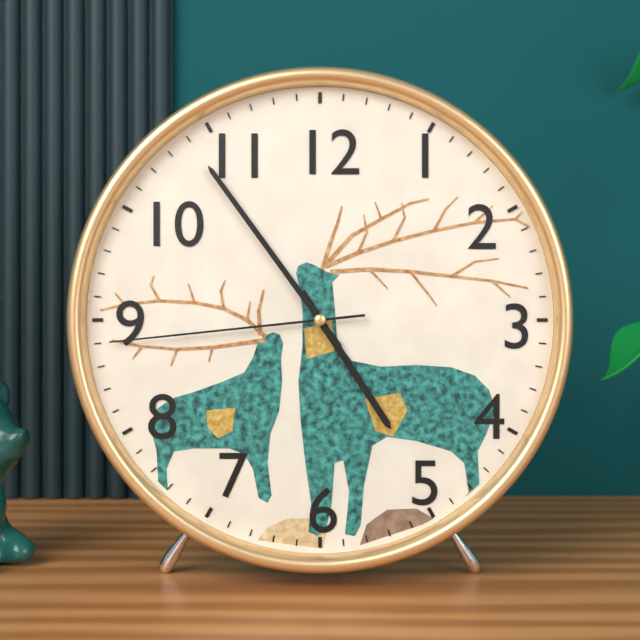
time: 4:54:44
